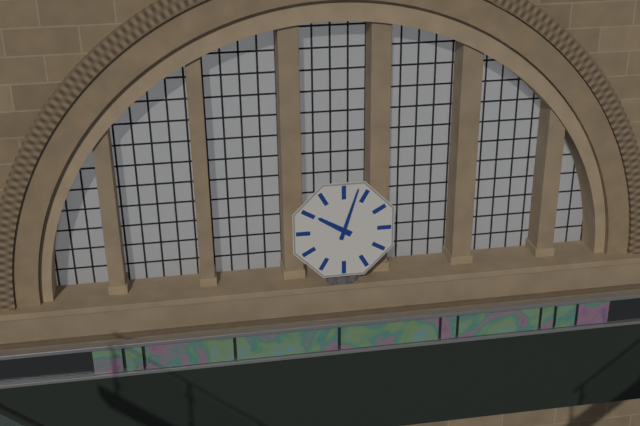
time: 10:03
